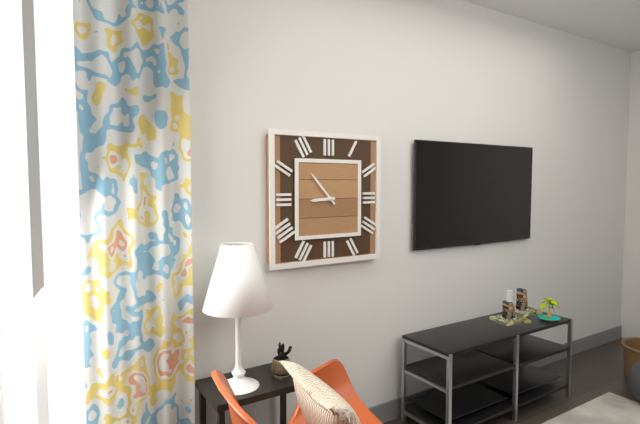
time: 8:53
